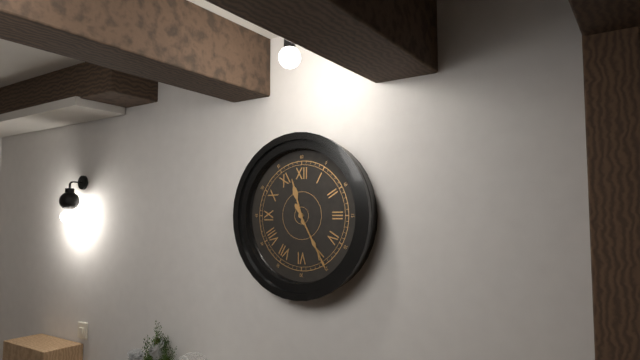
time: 11:25
